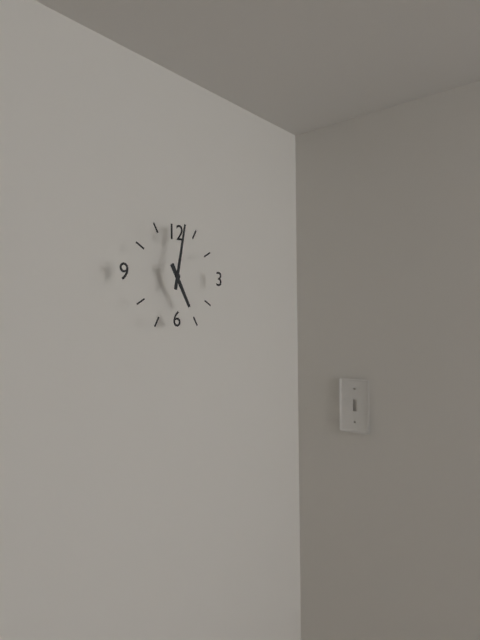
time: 5:02
